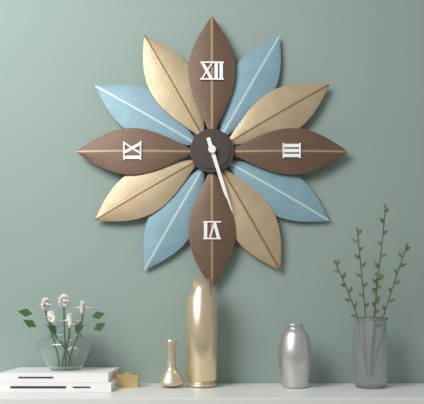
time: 5:27
